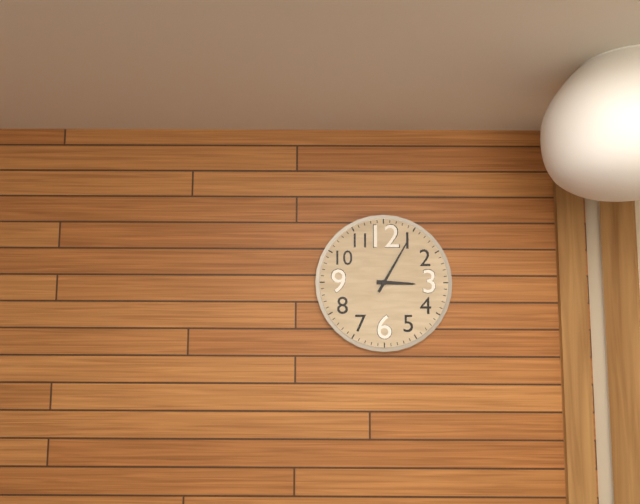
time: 3:05
